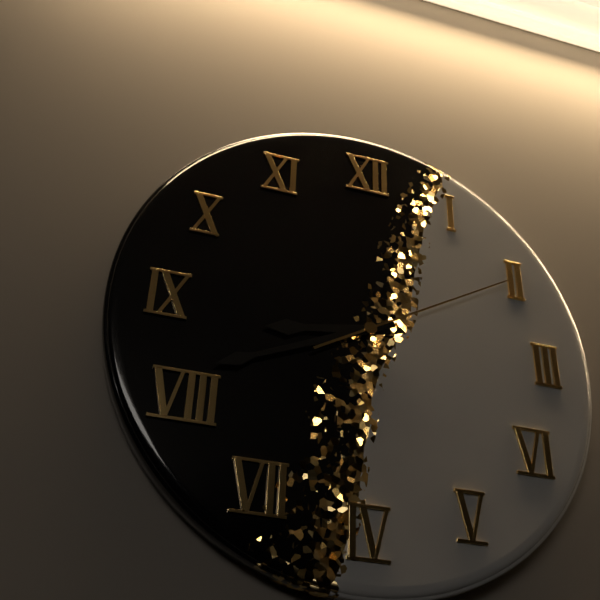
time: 8:41:10
